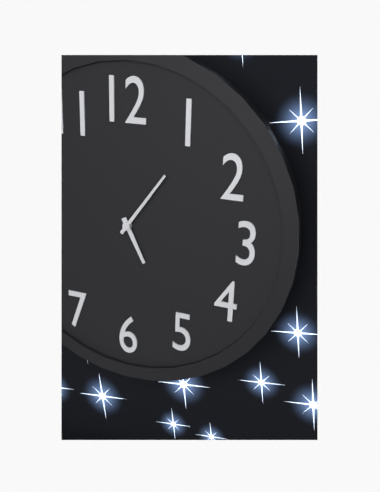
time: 5:06
